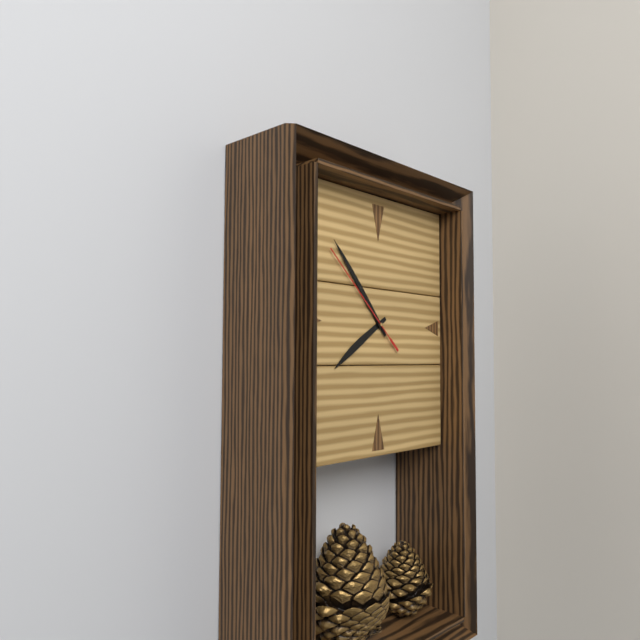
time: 7:53:52
